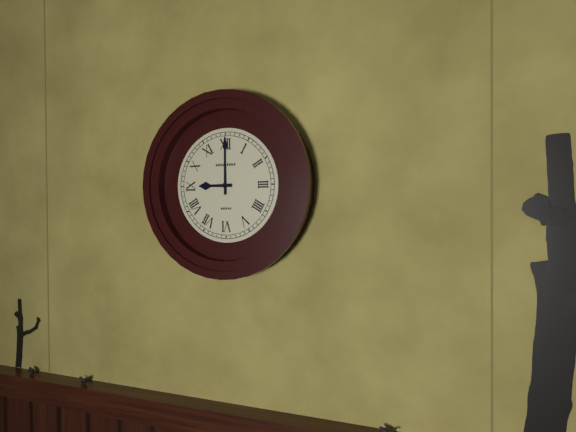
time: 9:00
